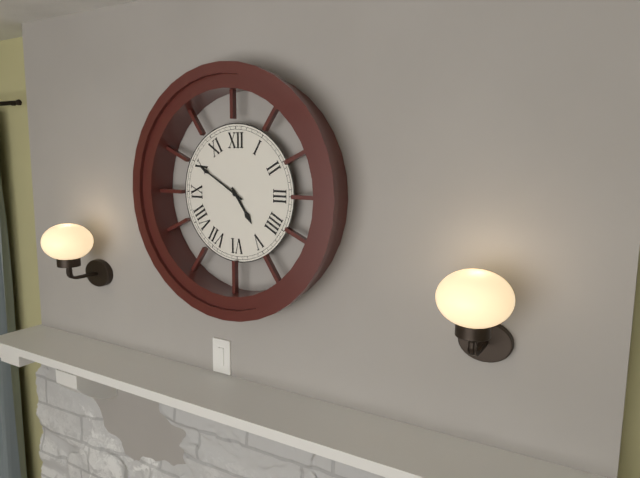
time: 4:50
